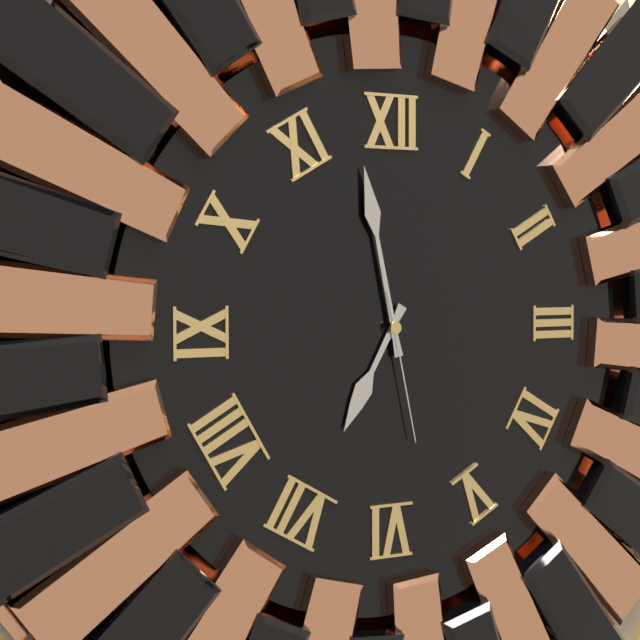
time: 6:58:28
